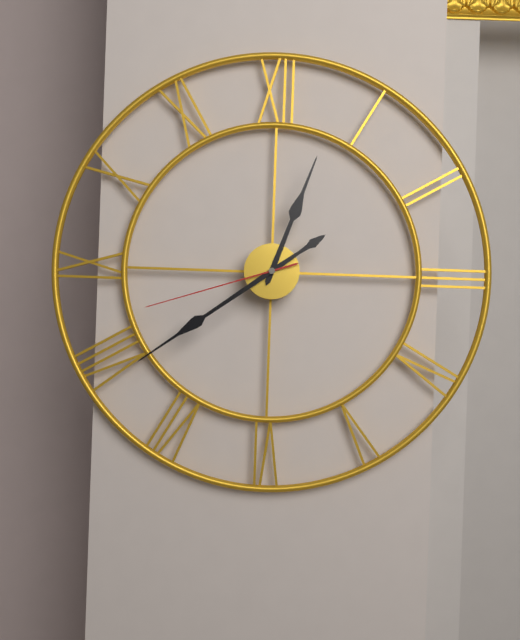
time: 12:39:42
